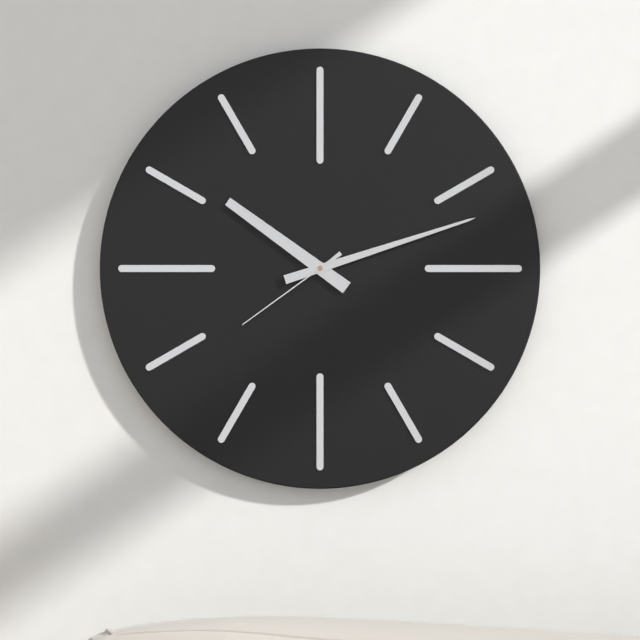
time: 10:12:39
